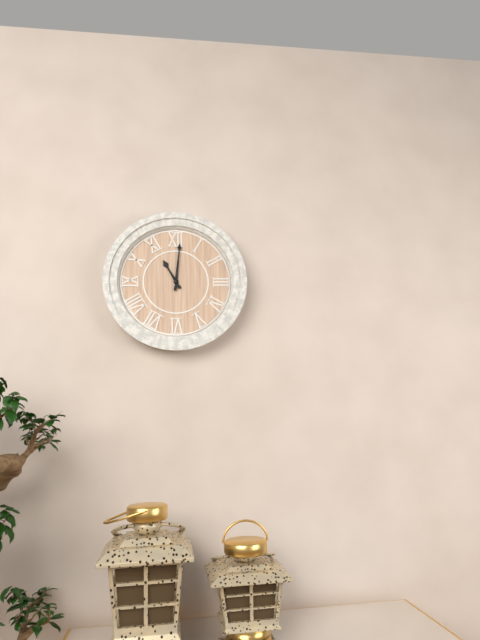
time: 11:01
